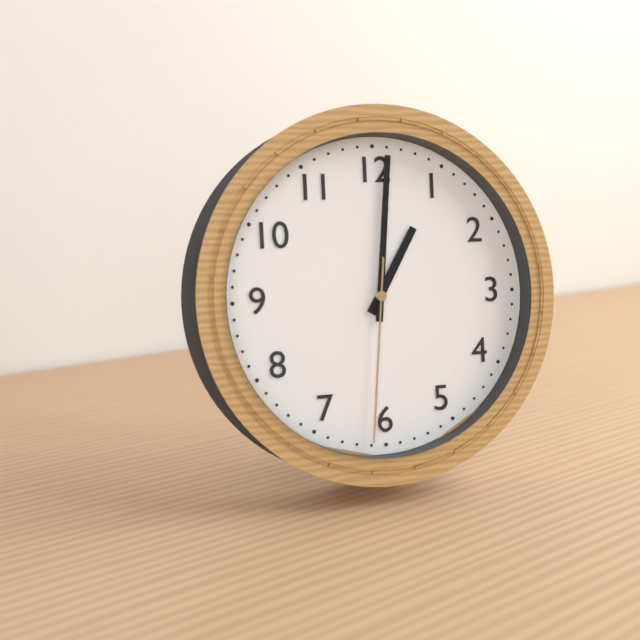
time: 1:01:31
